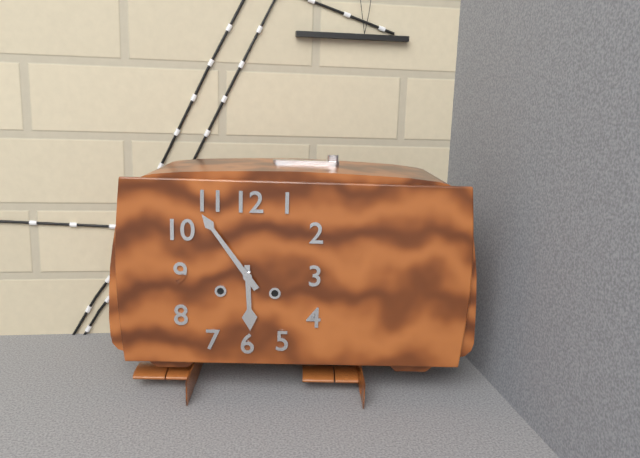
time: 5:54
